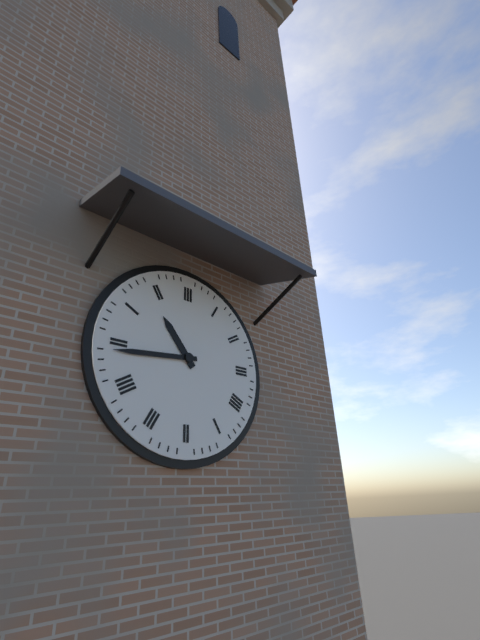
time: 10:44
